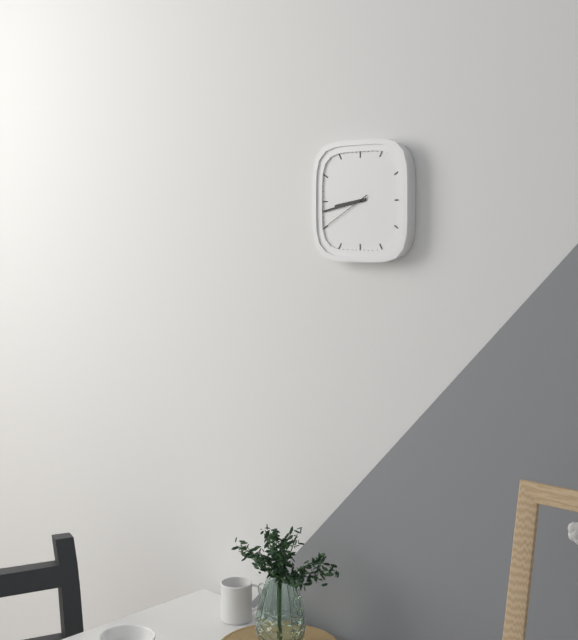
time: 8:43:40
